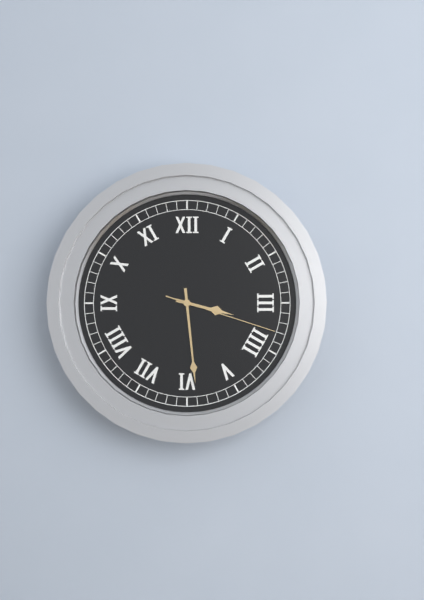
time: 3:29:18
